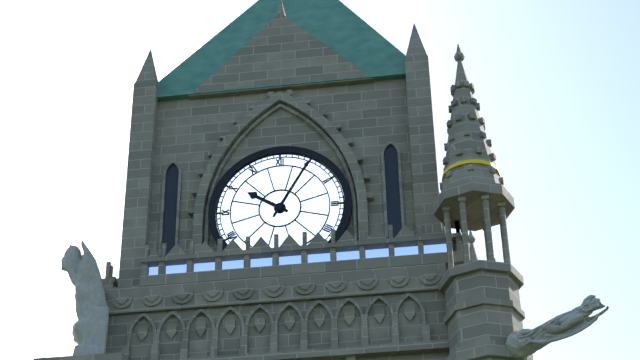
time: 10:05
